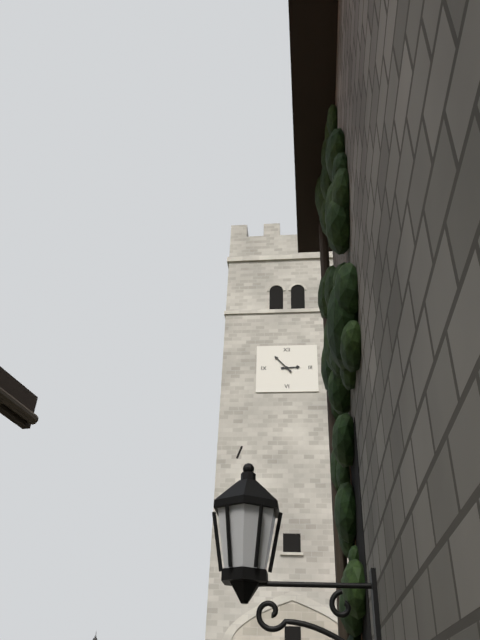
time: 2:53
